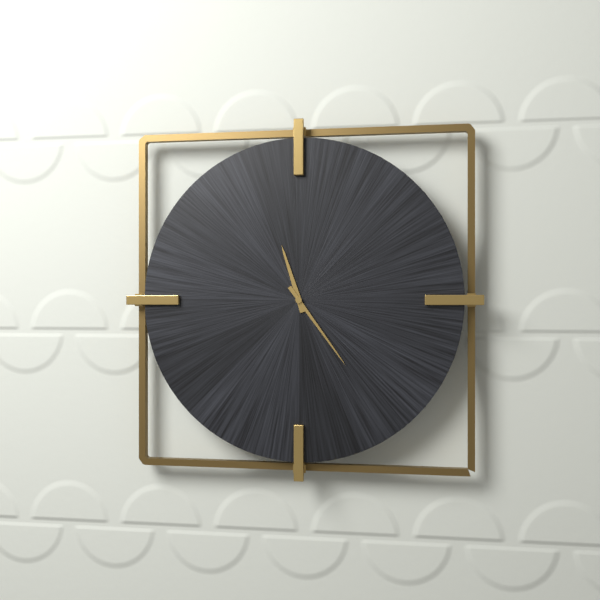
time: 11:24
